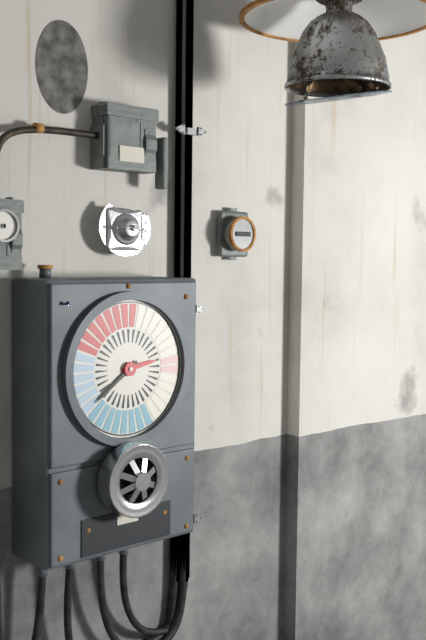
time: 2:39
